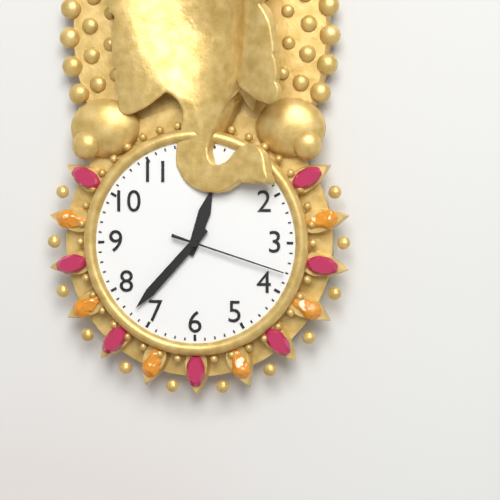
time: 12:37:18
